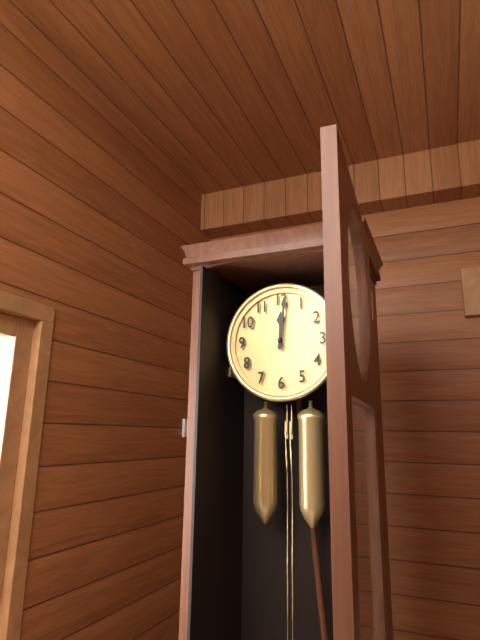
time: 12:01
